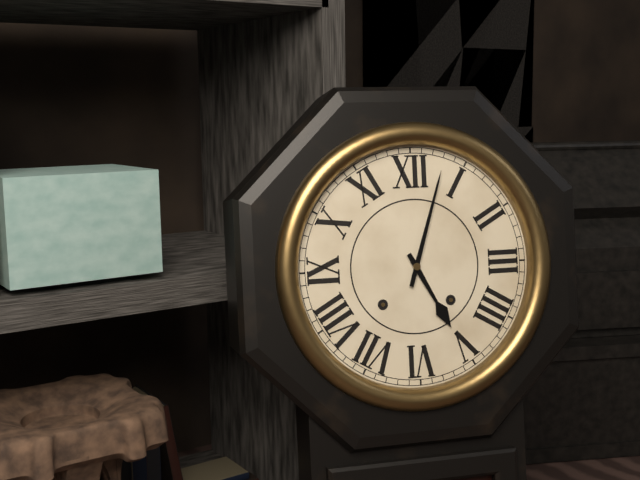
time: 5:03
